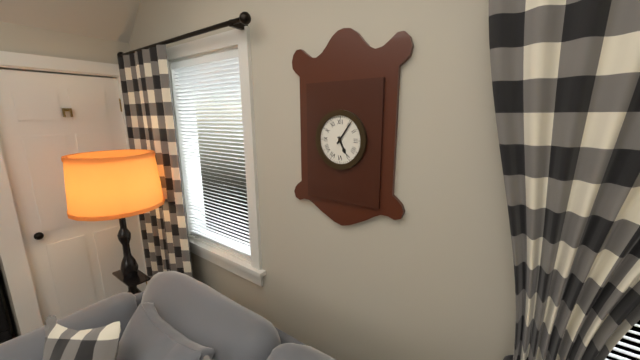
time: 5:06
